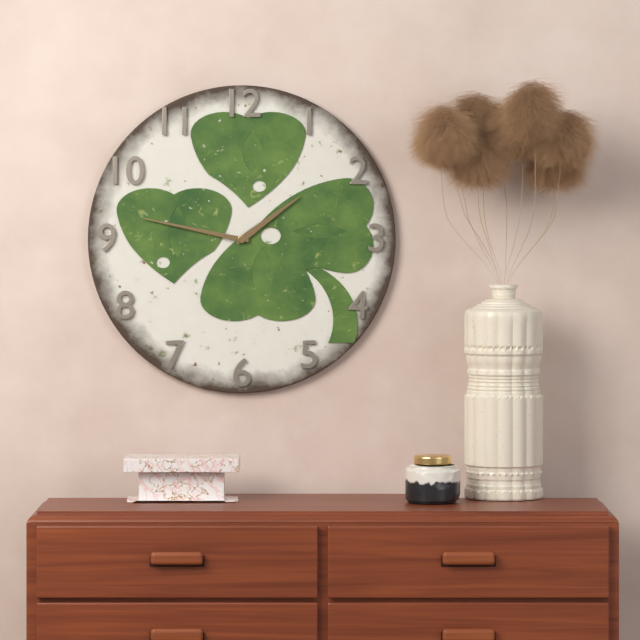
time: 1:47
